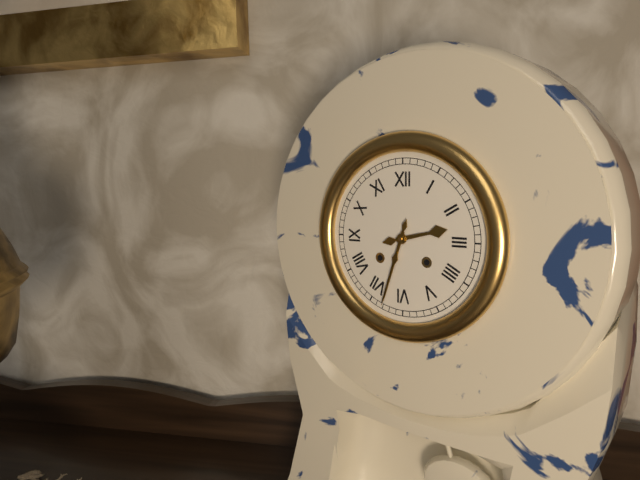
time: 2:33
